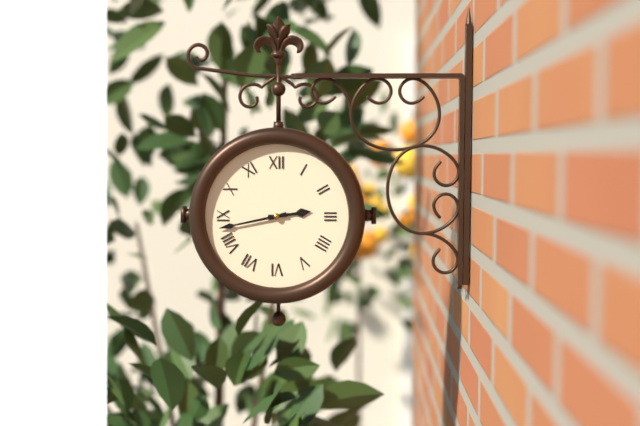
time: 2:43
